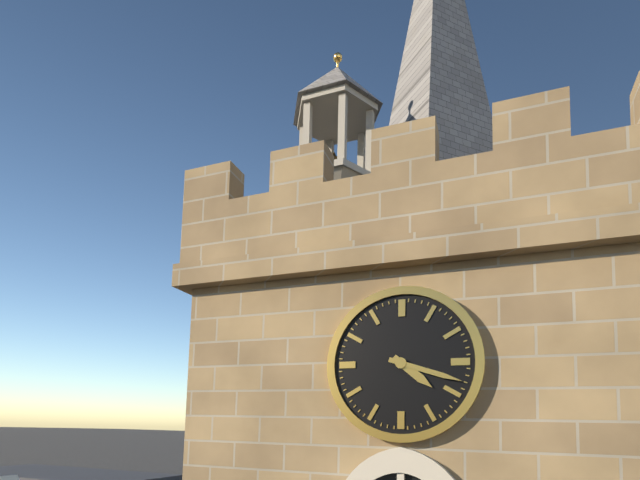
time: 4:18
